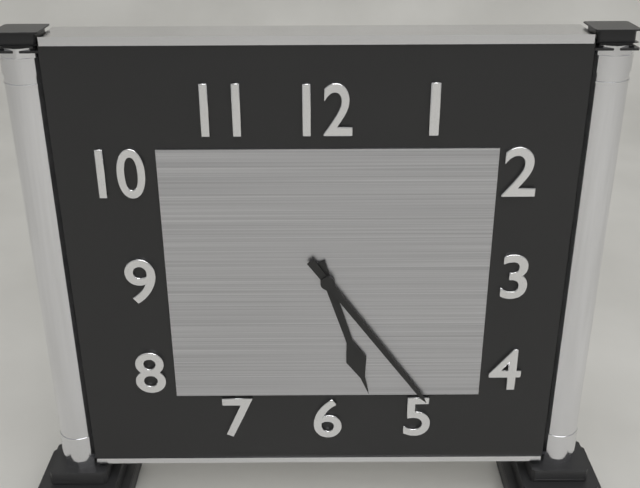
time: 5:24
